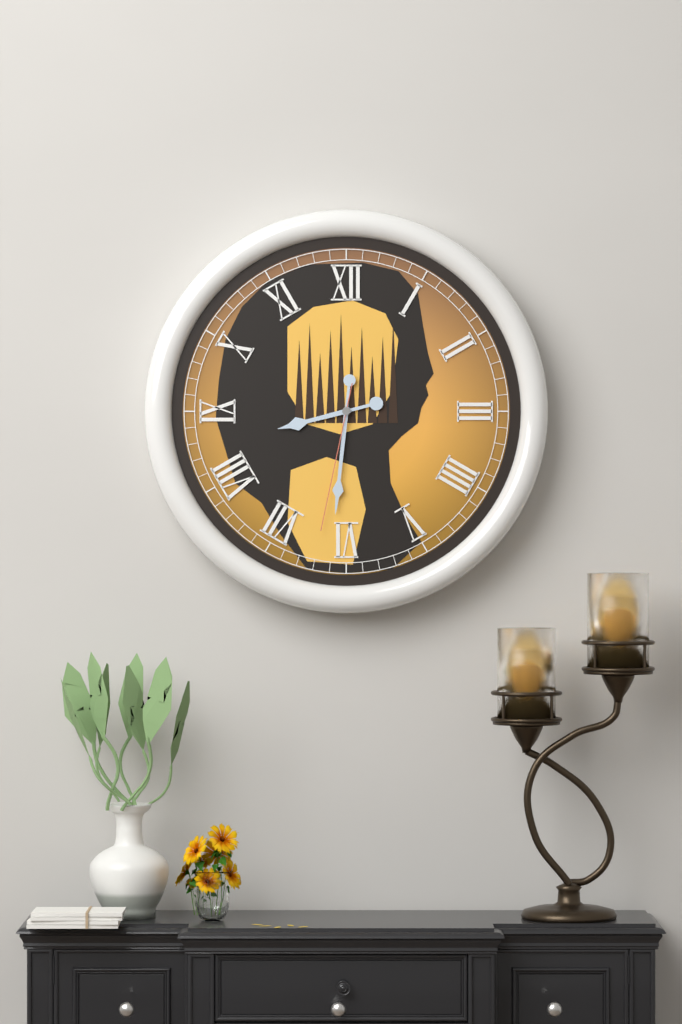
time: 8:31:32
